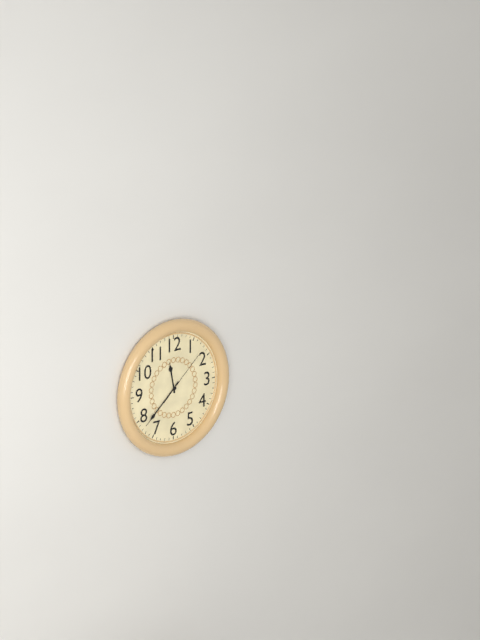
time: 11:38:08
